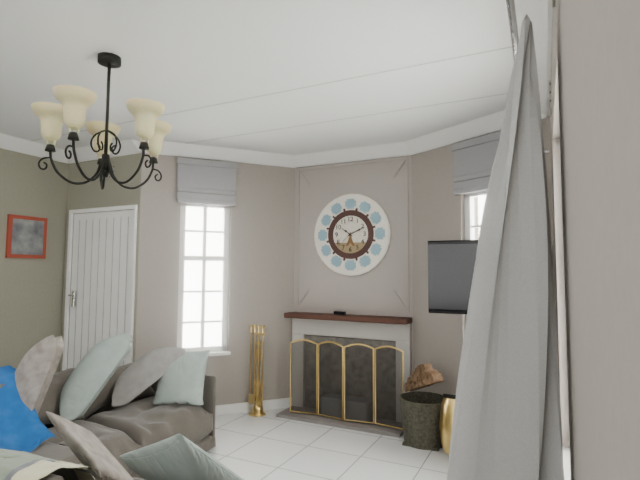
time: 10:11
